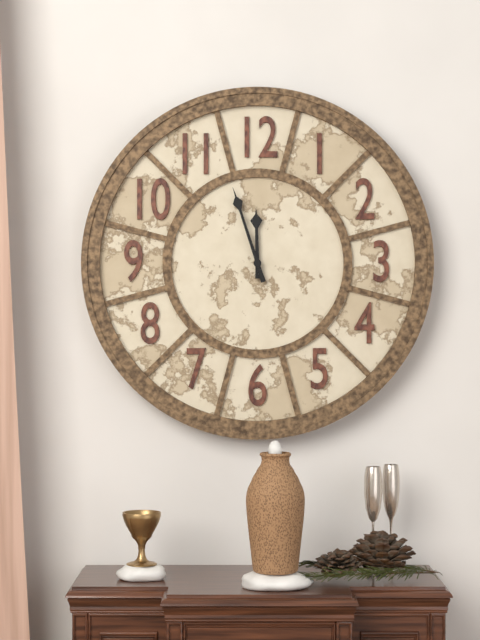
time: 11:57
